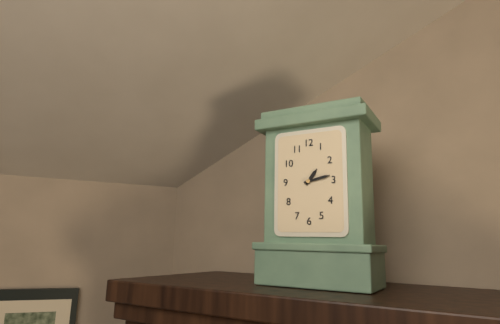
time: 1:13
